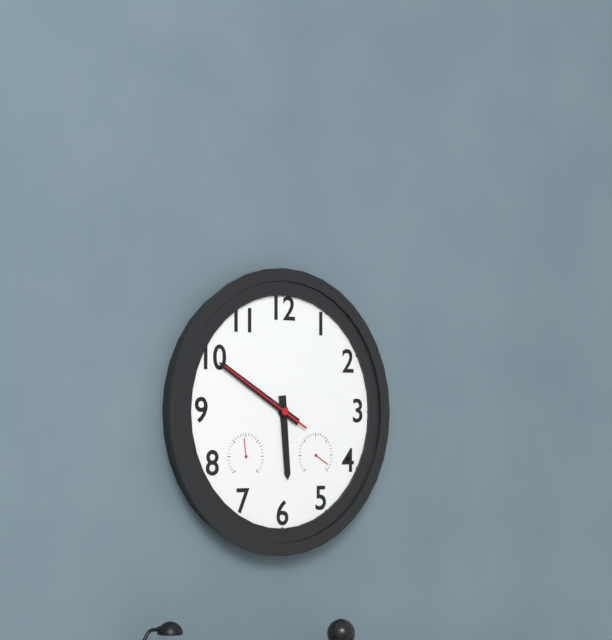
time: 5:50:50
